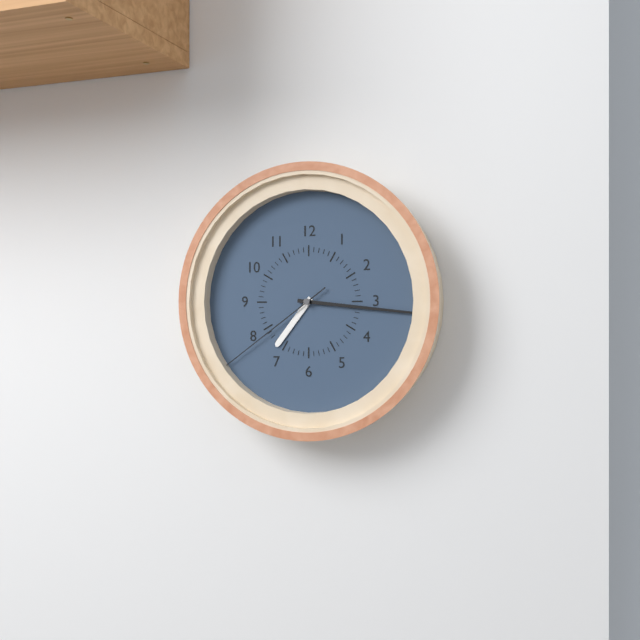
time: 7:16:39
